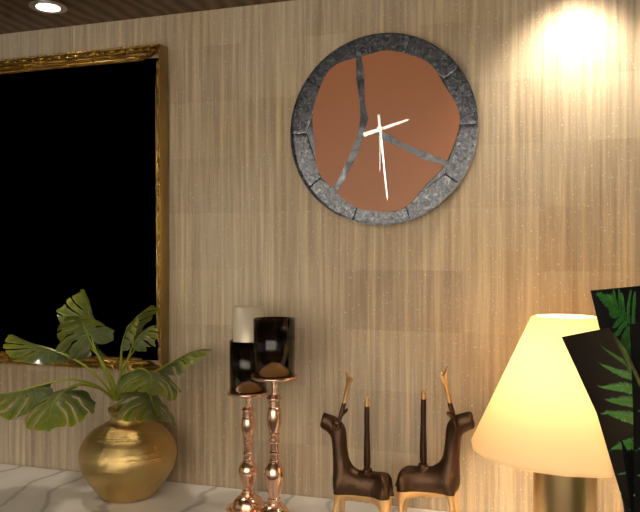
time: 2:29:30
